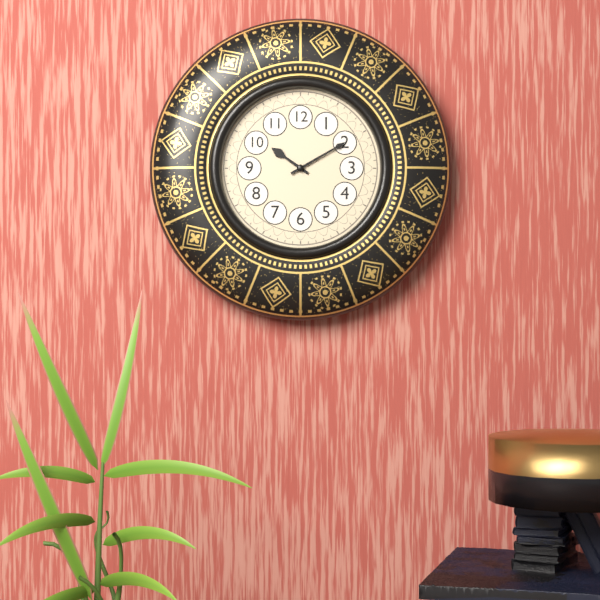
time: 10:10
